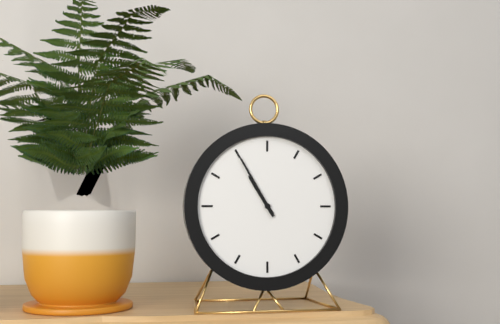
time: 10:55
